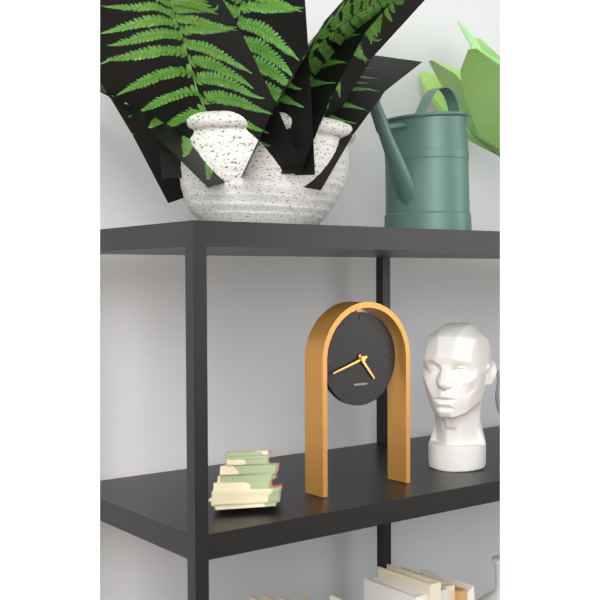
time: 4:42
